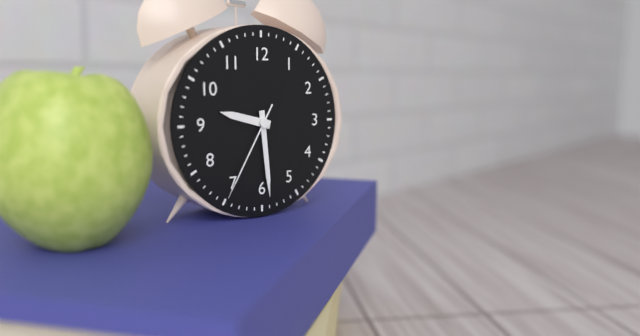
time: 9:29:35
